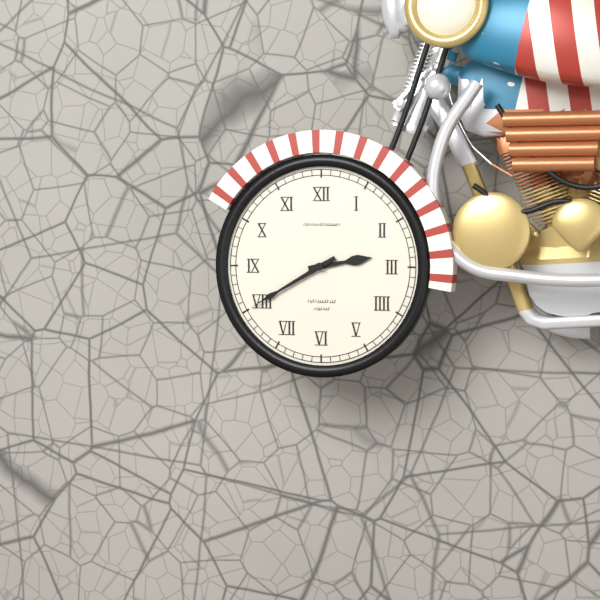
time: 2:40
